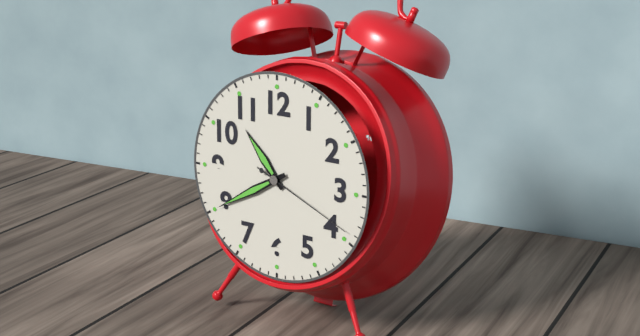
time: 10:40:19
